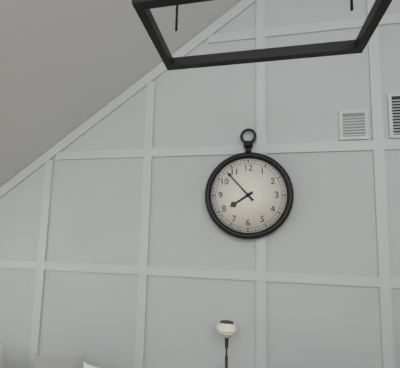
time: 7:53
